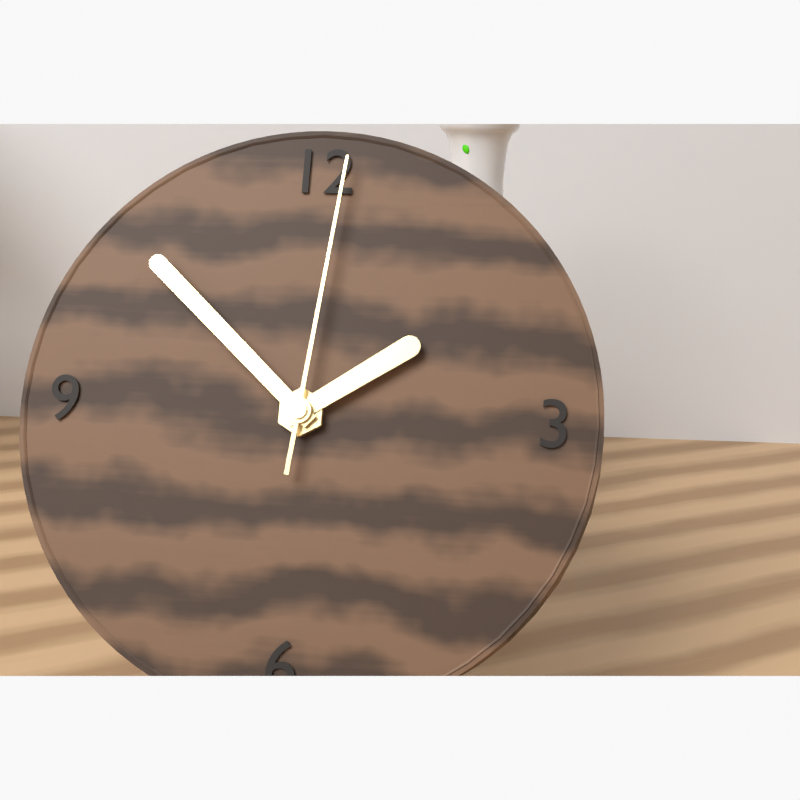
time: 1:52:01
